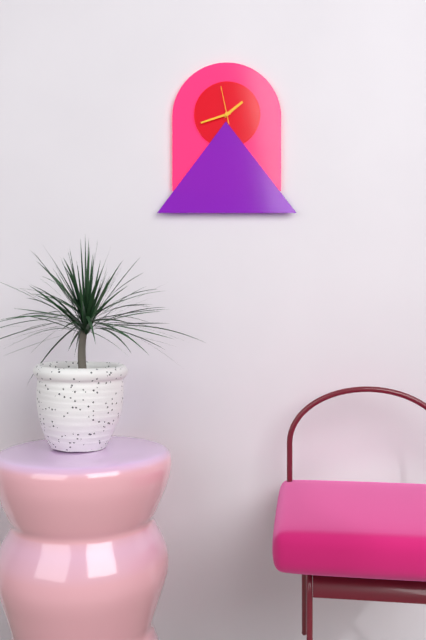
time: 1:42
